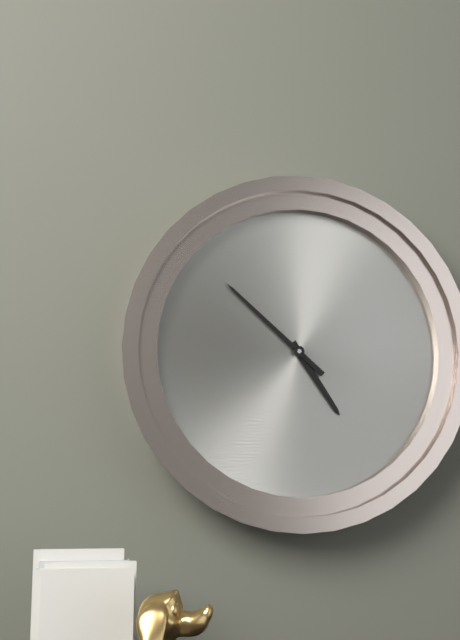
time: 4:52
